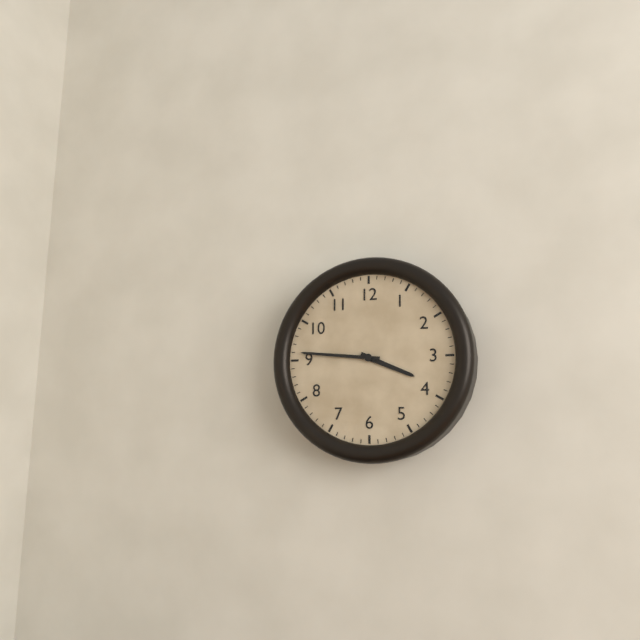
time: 3:46
